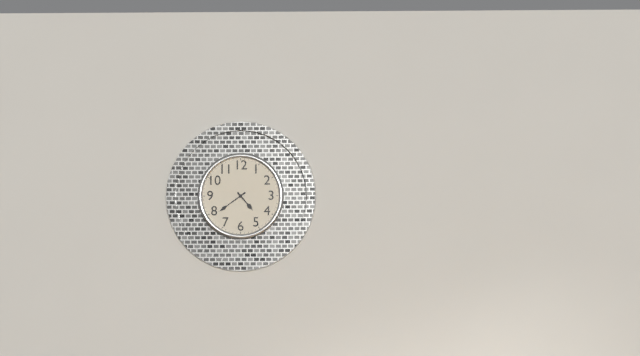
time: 4:39
